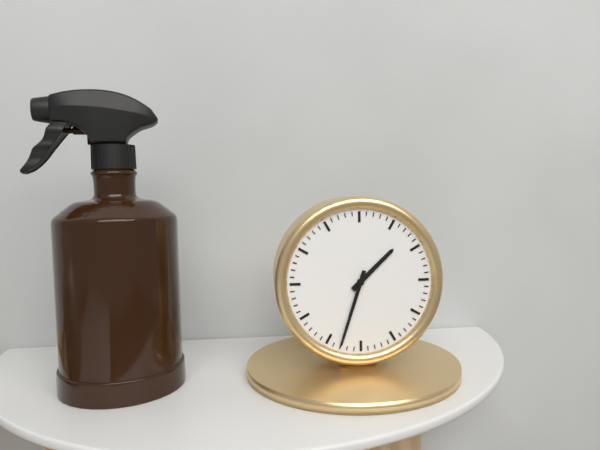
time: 1:33
